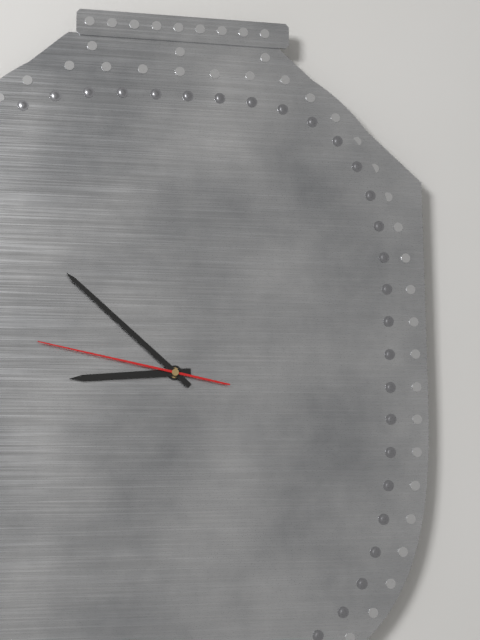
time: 8:52:47
